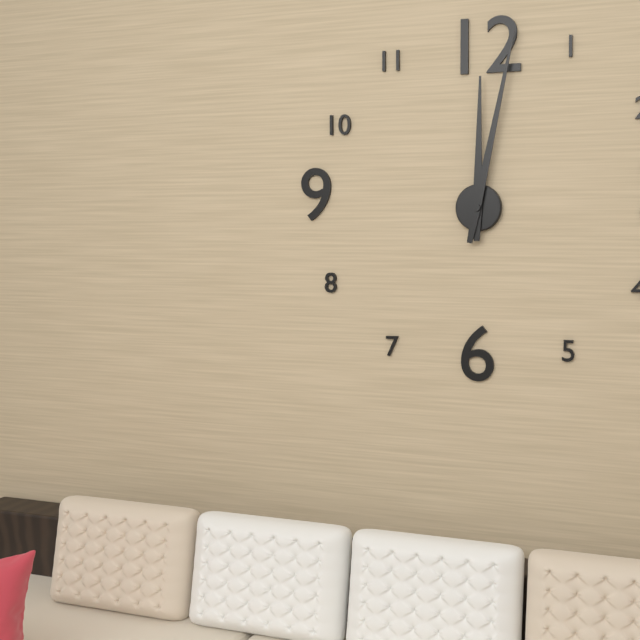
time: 12:02
